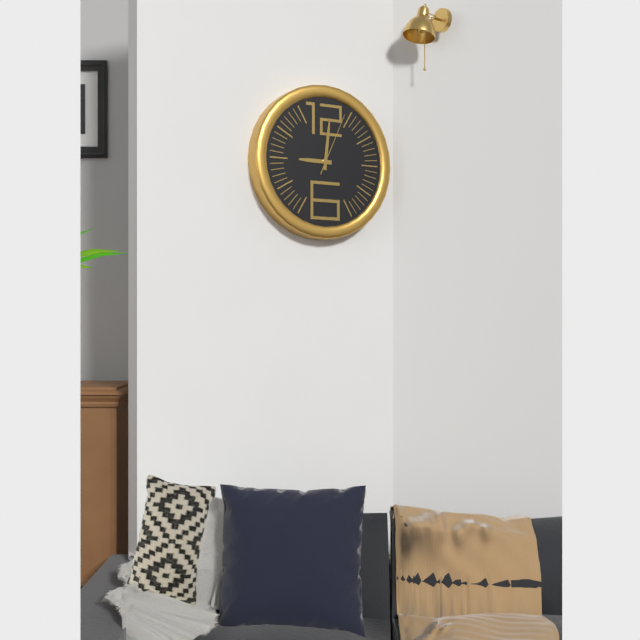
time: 9:01:04
